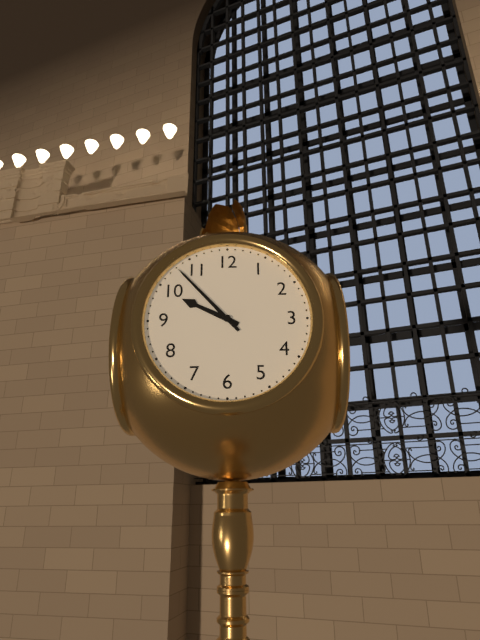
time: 9:53
